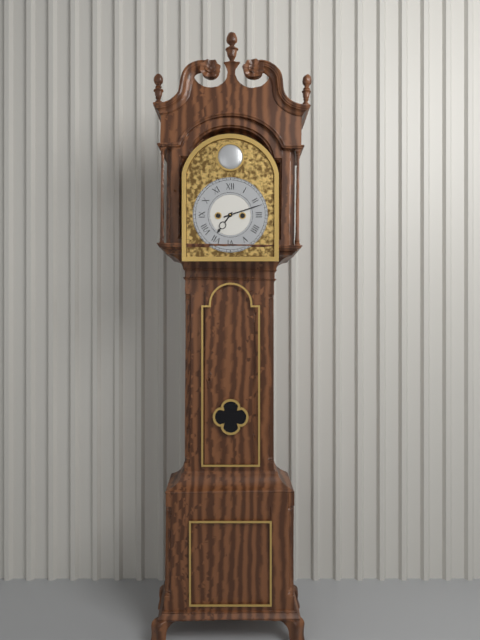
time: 7:12
